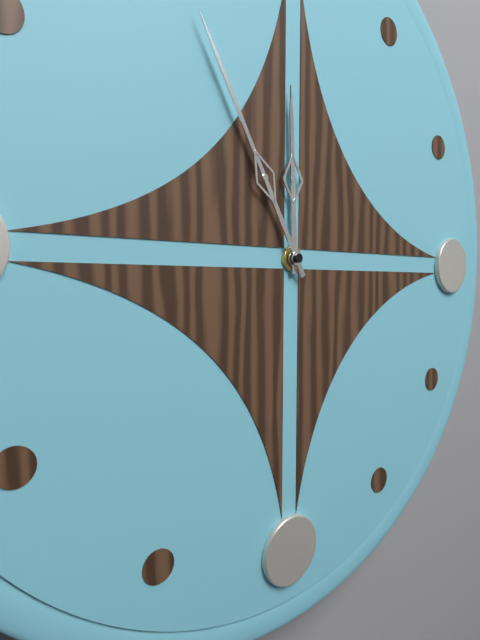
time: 11:55
